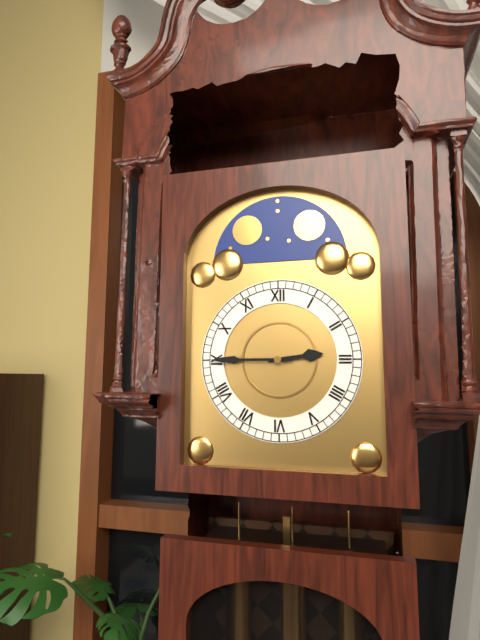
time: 2:45
